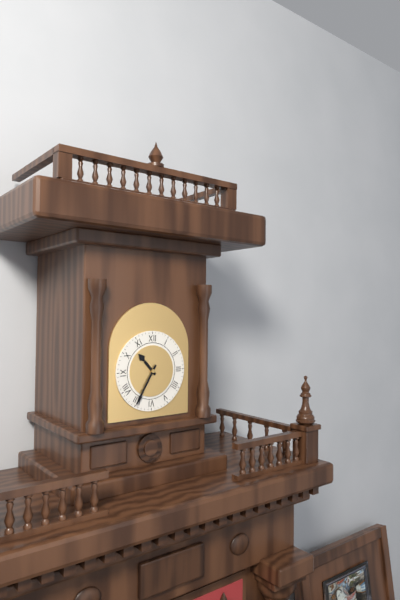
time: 10:35
